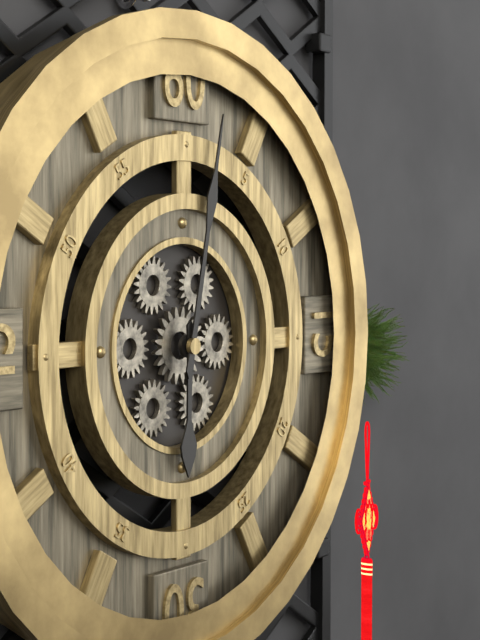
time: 6:02
